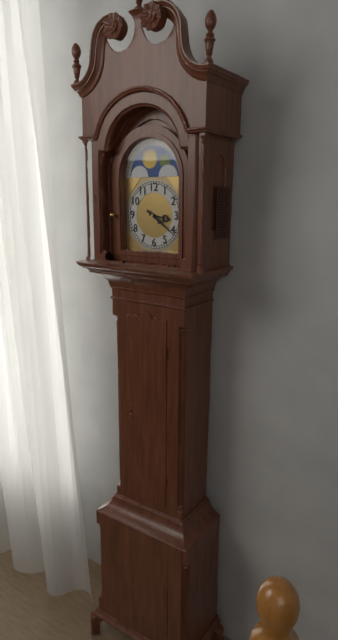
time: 3:21
